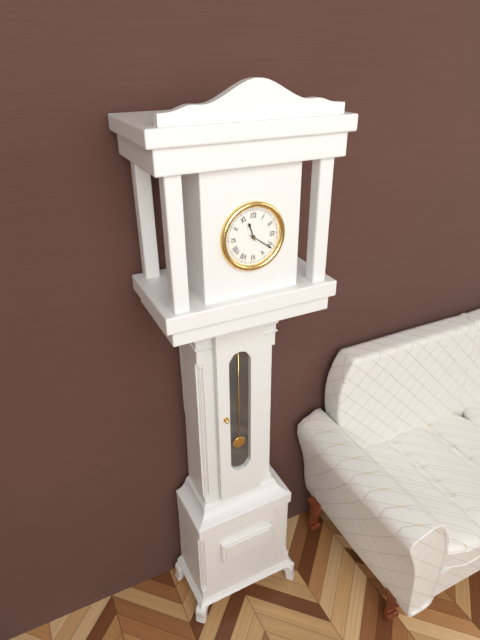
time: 11:21
